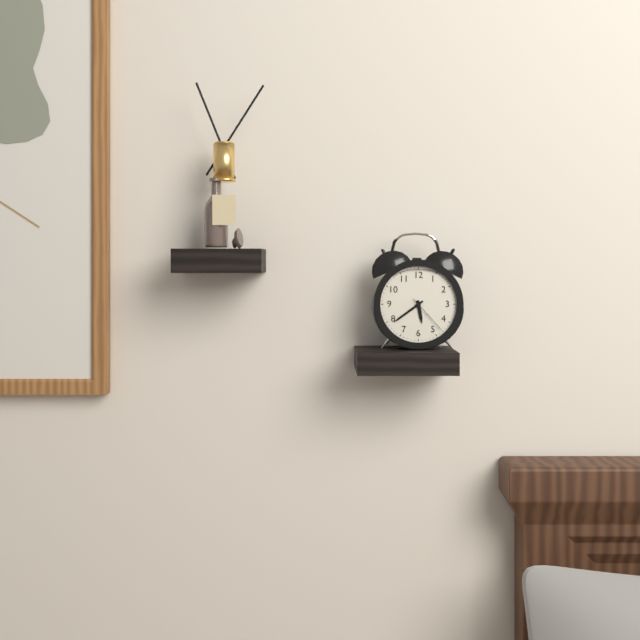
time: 5:39
